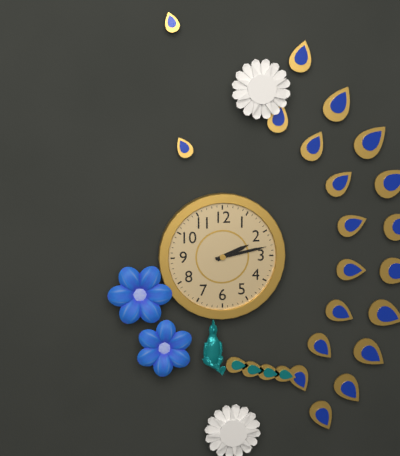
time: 2:13
